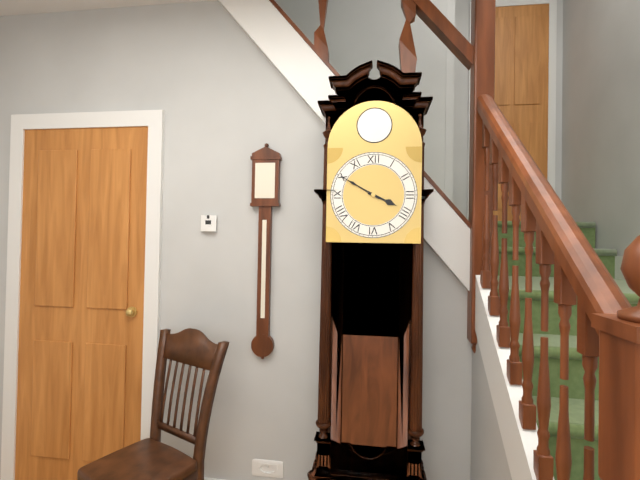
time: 3:50
